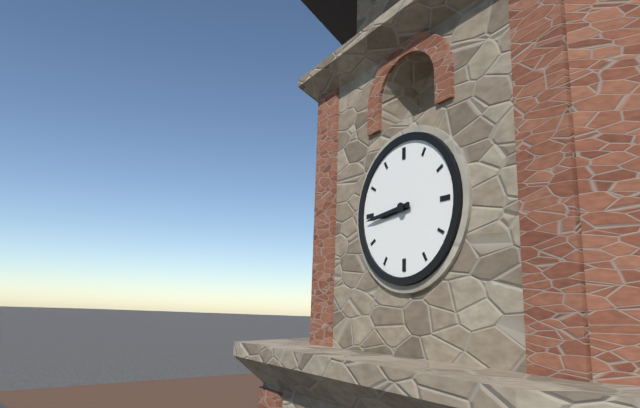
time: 8:44
